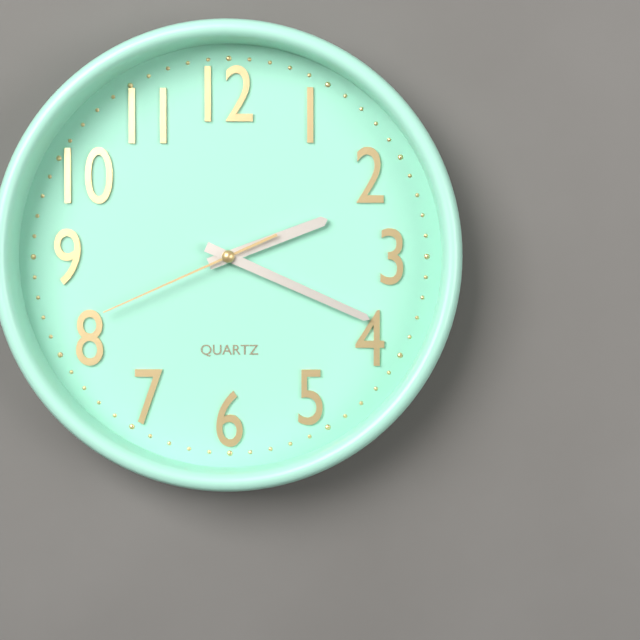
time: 2:19:41
